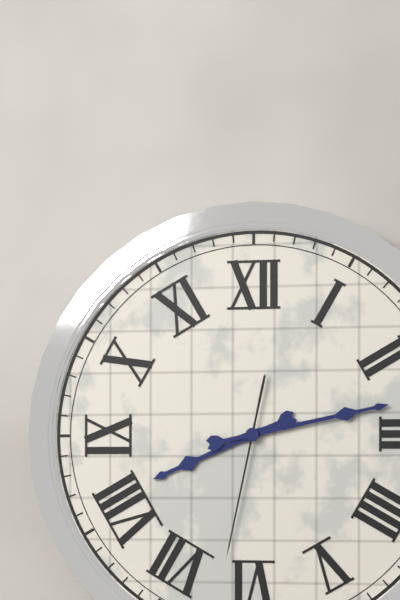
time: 8:13:32
